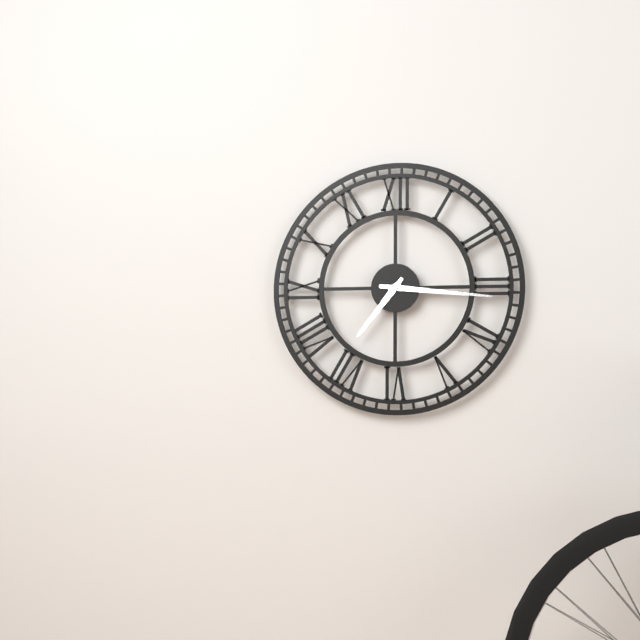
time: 7:16
